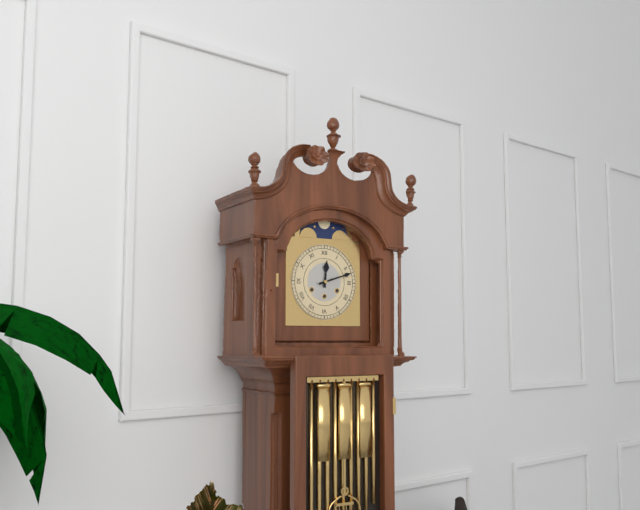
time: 12:12
